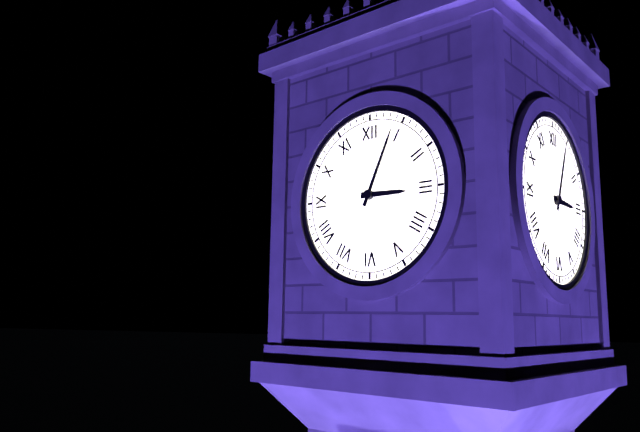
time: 3:04
